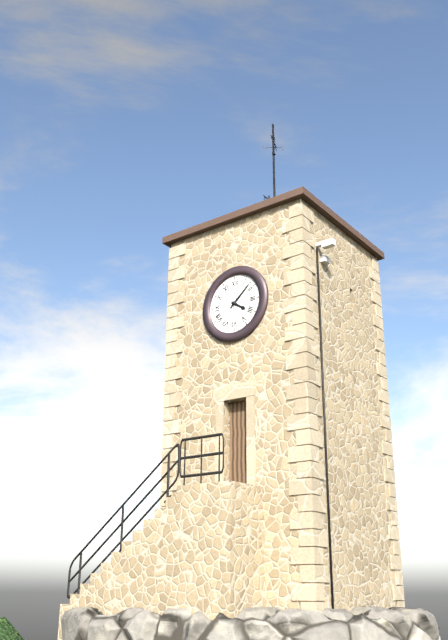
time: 4:08
